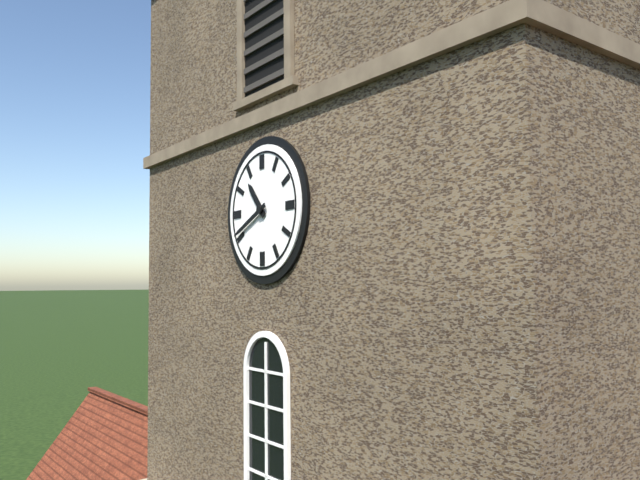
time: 10:41
